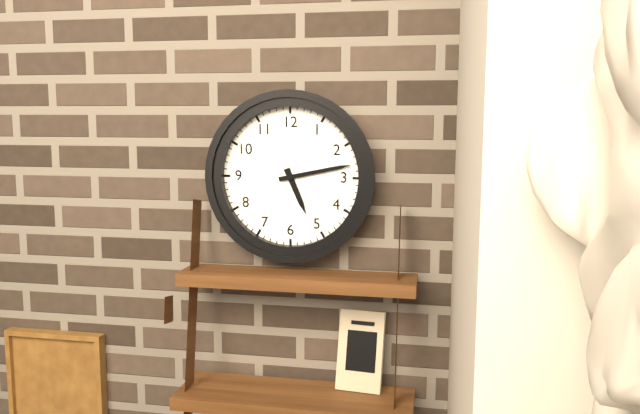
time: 5:13
